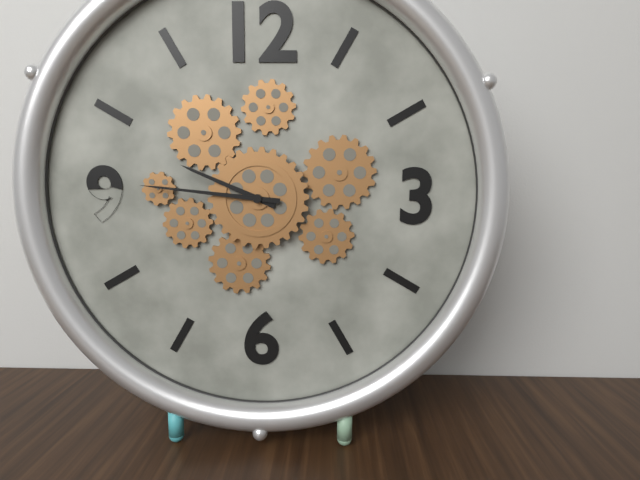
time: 9:46
